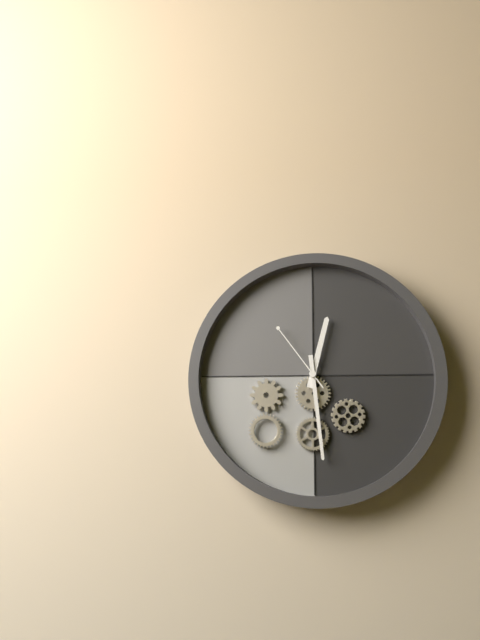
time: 12:29:54
